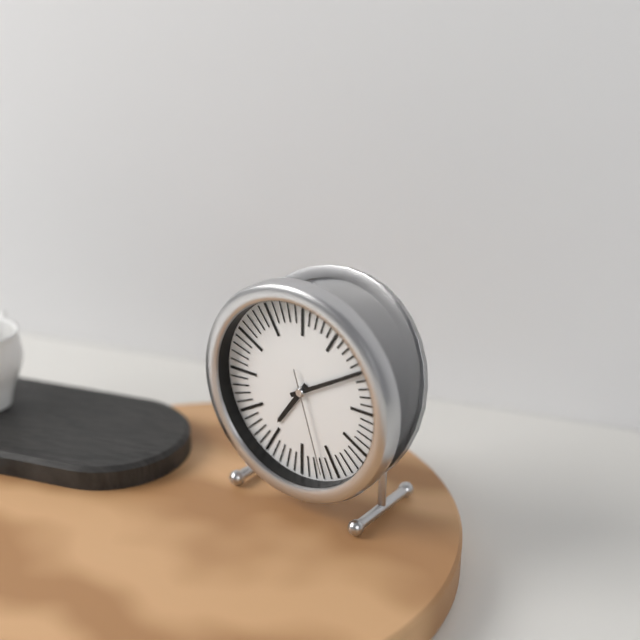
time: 7:10:27
